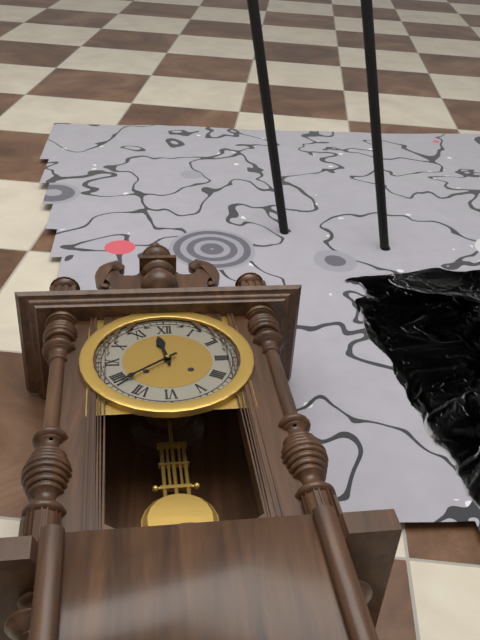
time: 11:39
